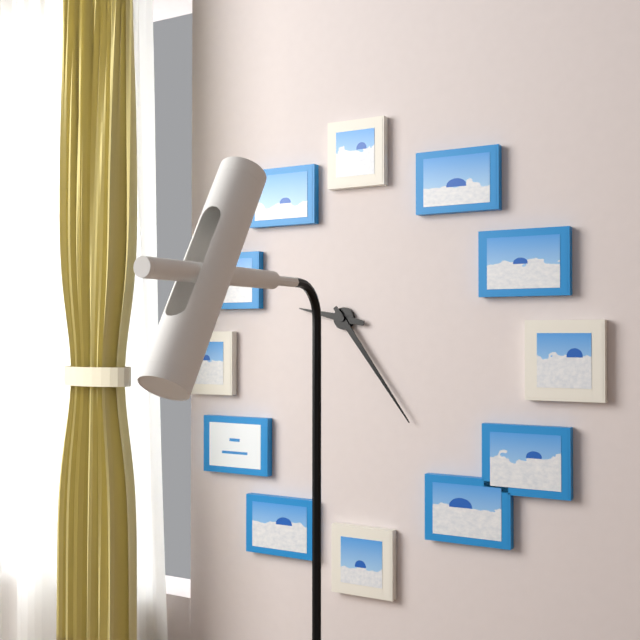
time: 9:24
